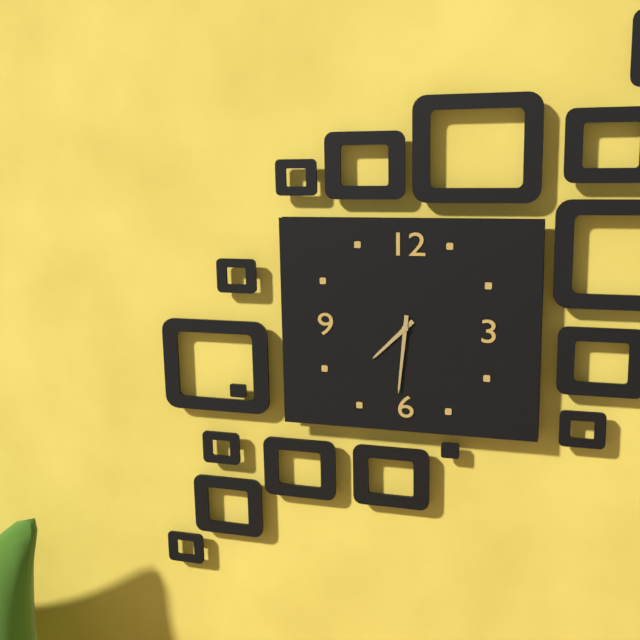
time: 7:31
